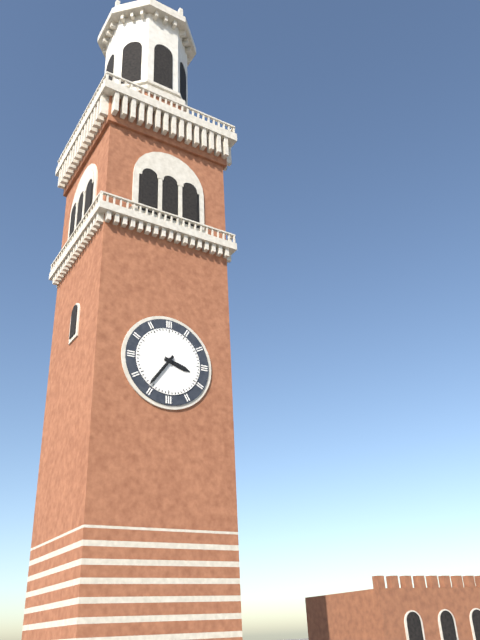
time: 3:36
